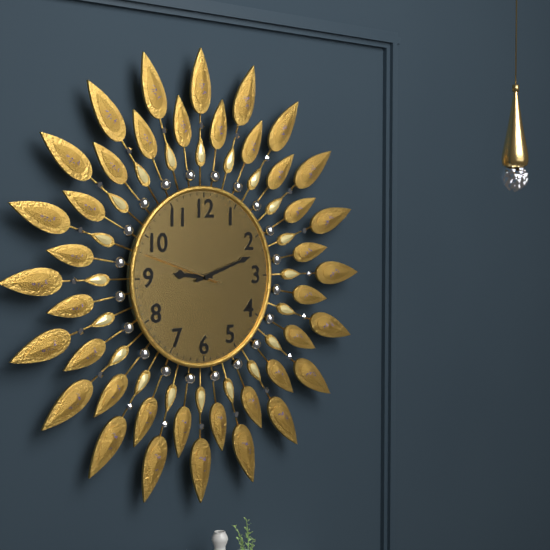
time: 9:12:48
